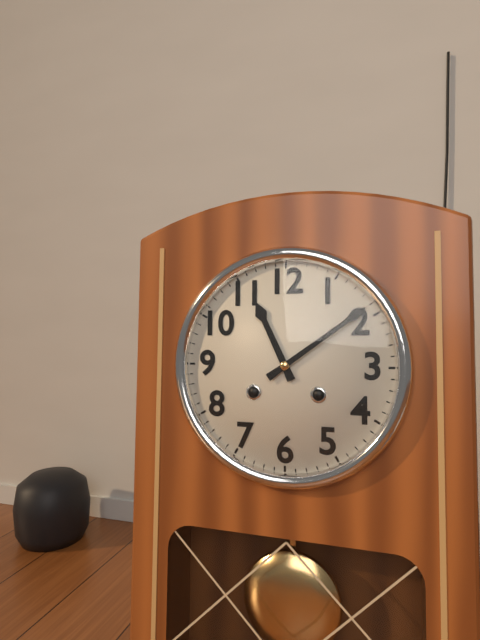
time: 11:09
